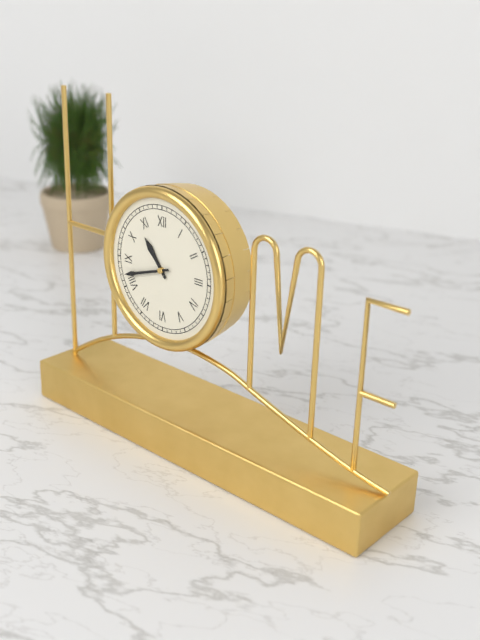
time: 10:42
